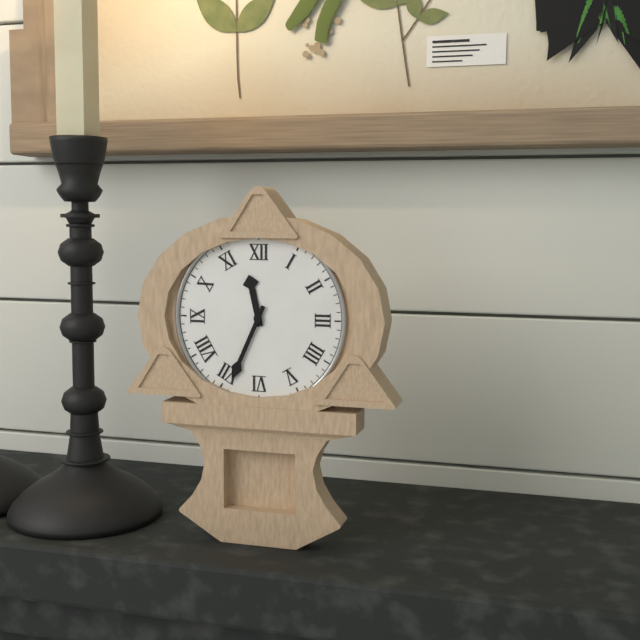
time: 11:34
